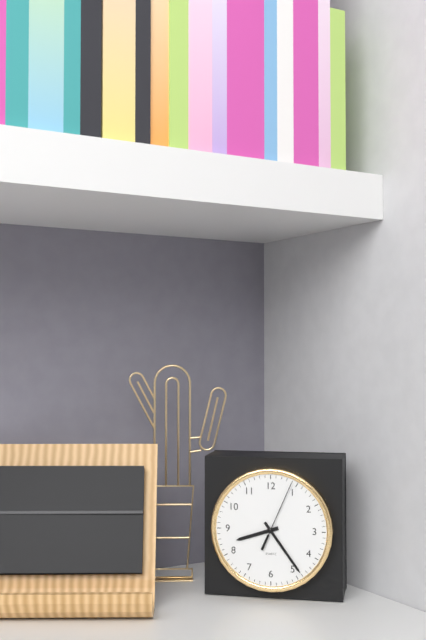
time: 8:24:04
